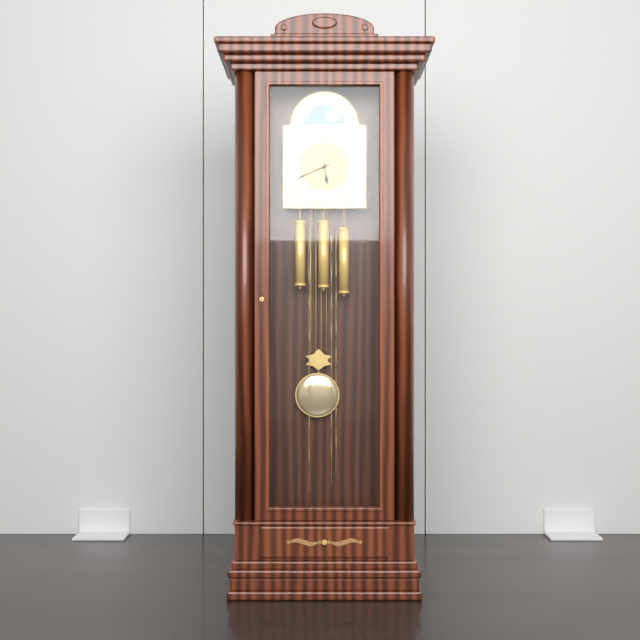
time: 5:41
